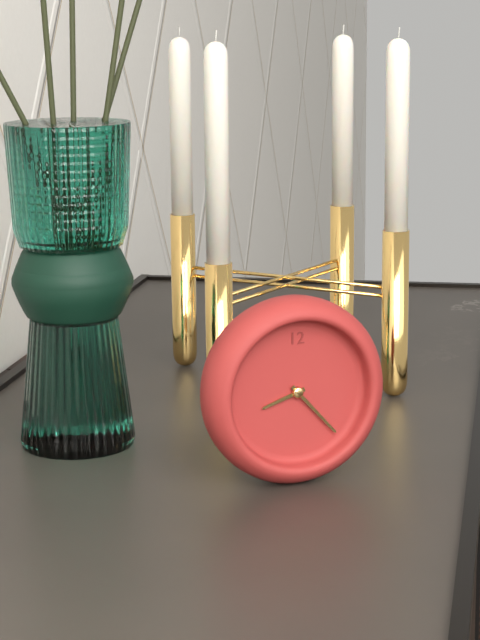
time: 8:23
